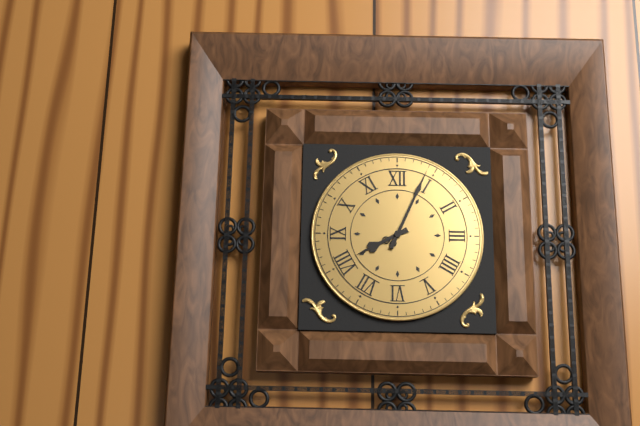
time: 8:04
